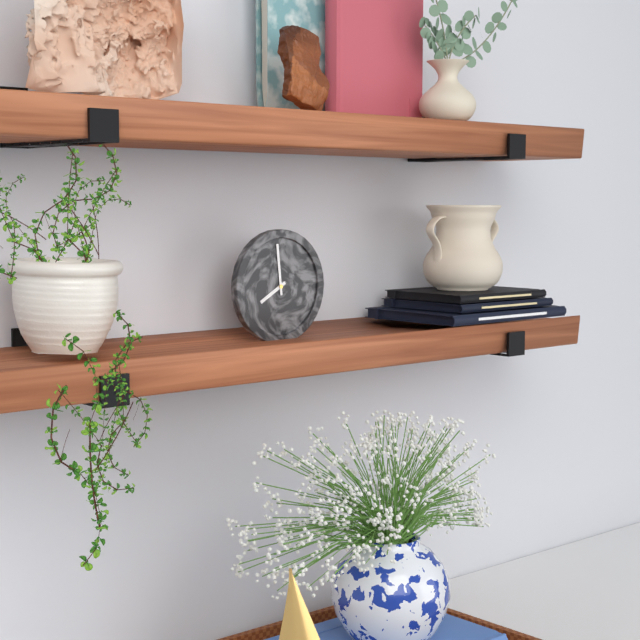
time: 7:59
